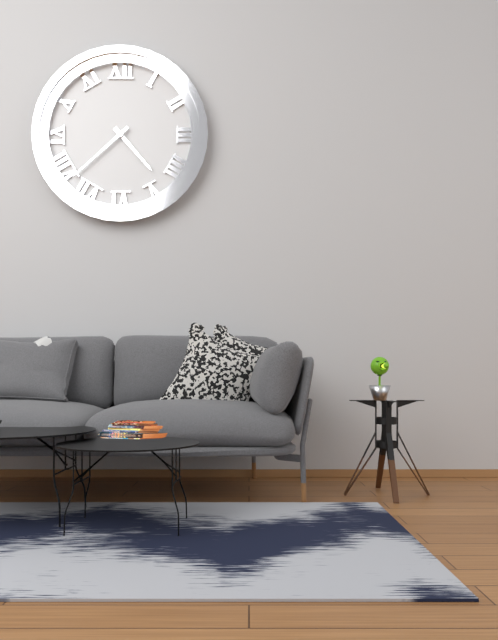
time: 4:38
